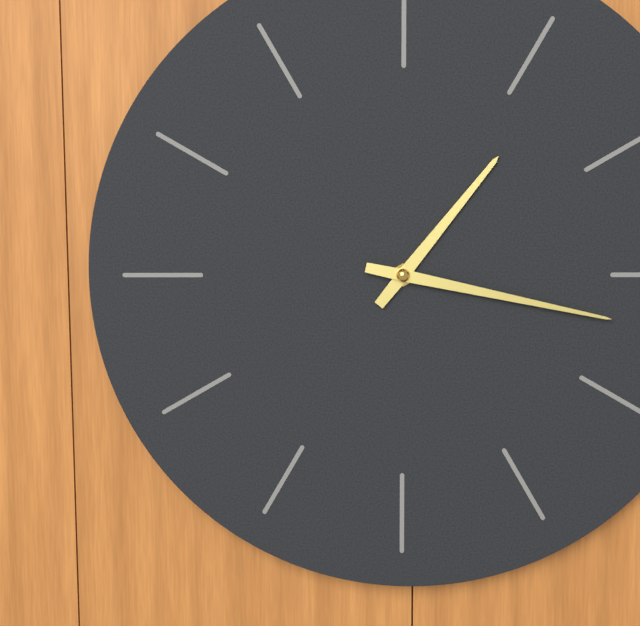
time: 1:17
